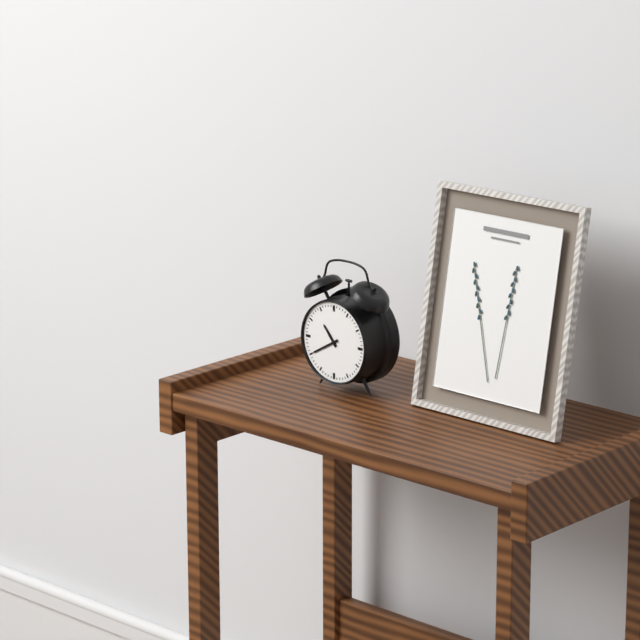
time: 10:40
